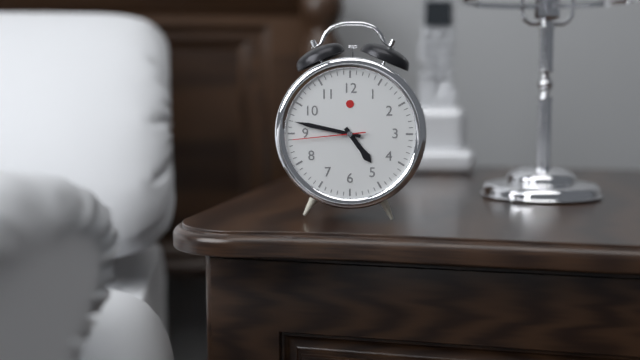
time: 4:47:44
